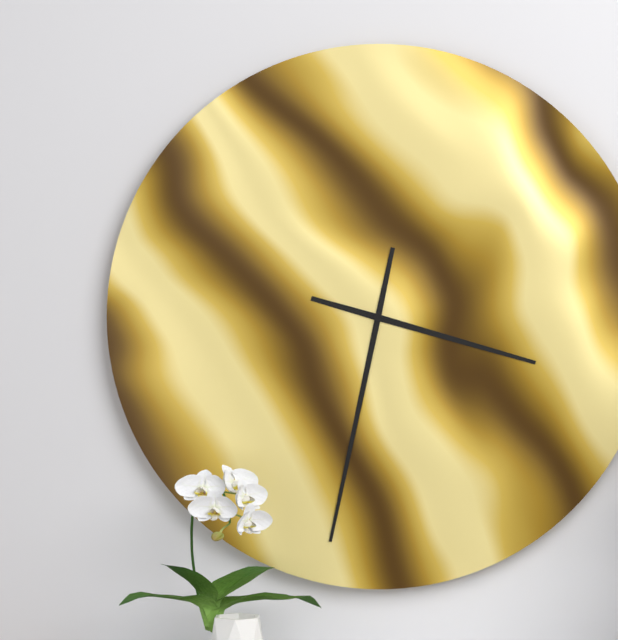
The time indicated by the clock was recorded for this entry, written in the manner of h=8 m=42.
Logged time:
h=3 m=32
